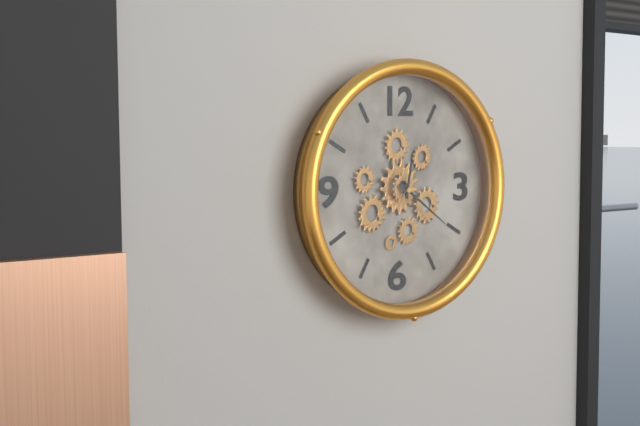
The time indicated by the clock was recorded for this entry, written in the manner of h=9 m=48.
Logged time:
h=12 m=21
